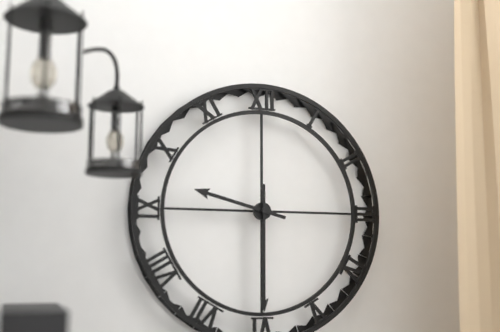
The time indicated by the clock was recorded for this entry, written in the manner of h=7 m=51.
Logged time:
h=9 m=30
